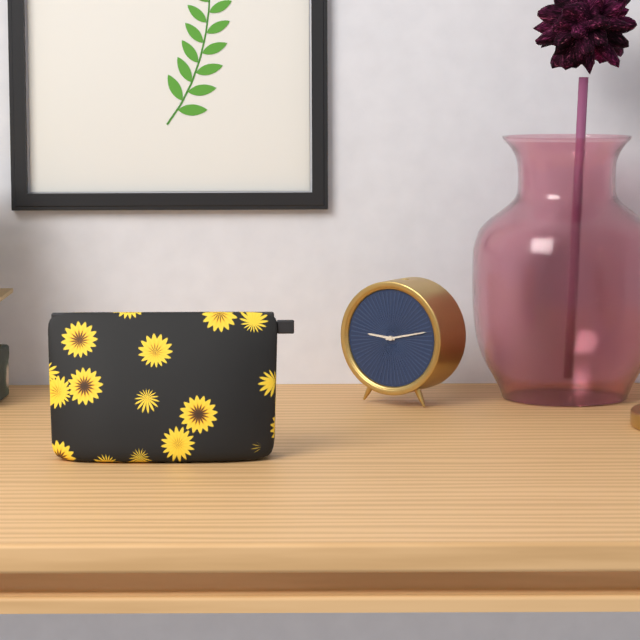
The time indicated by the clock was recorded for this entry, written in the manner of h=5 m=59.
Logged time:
h=9 m=13
